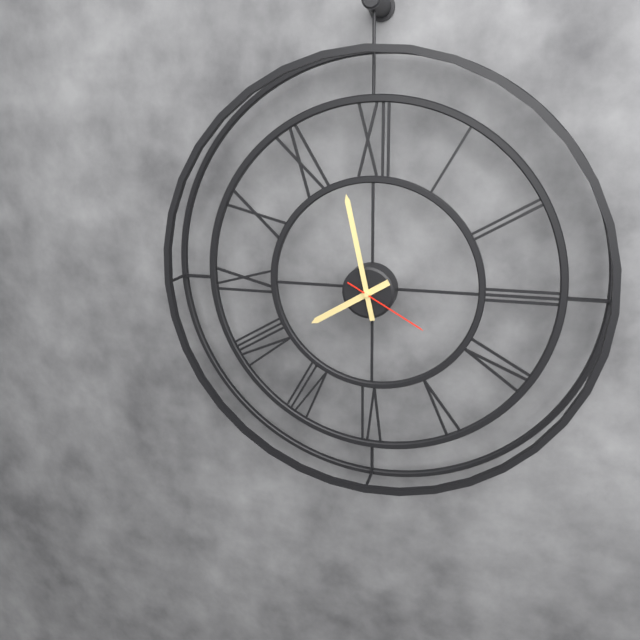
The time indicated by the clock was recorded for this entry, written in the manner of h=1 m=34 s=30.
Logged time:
h=7 m=58 s=20
